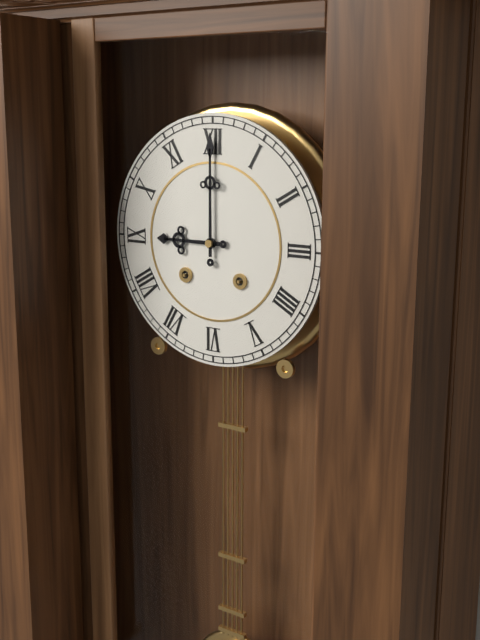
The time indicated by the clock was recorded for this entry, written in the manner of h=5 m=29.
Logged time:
h=9 m=0
